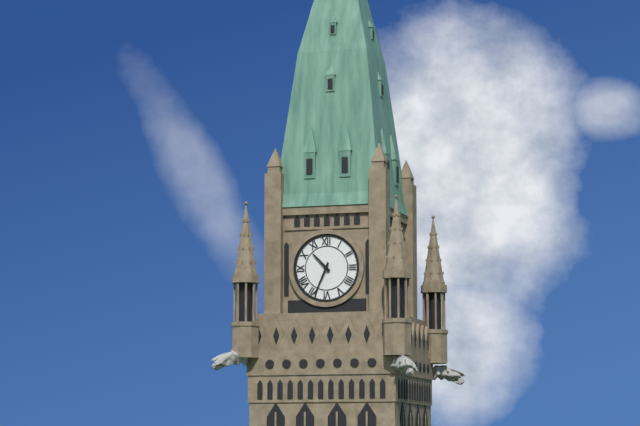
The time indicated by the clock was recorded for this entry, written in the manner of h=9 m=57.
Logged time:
h=10 m=34
